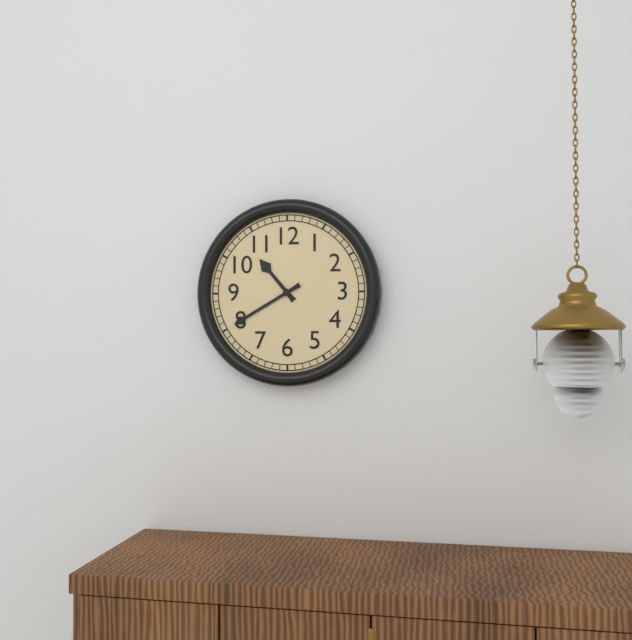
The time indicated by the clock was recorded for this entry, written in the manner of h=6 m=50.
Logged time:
h=10 m=40
